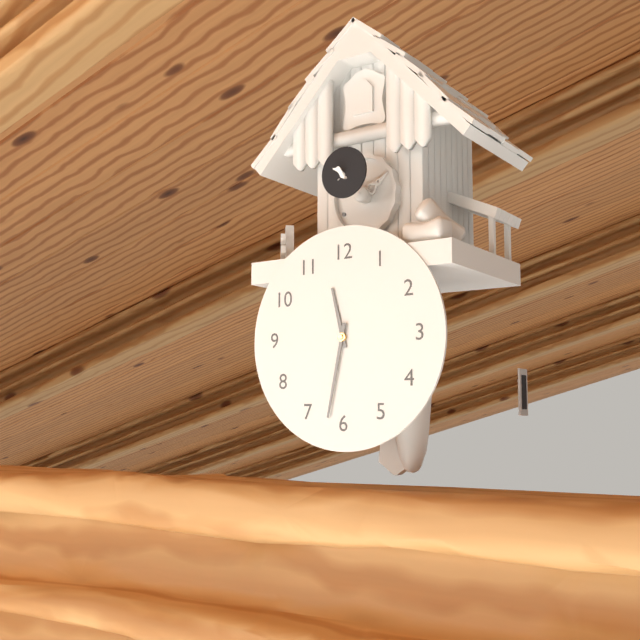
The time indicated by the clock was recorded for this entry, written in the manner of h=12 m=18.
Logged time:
h=11 m=32
